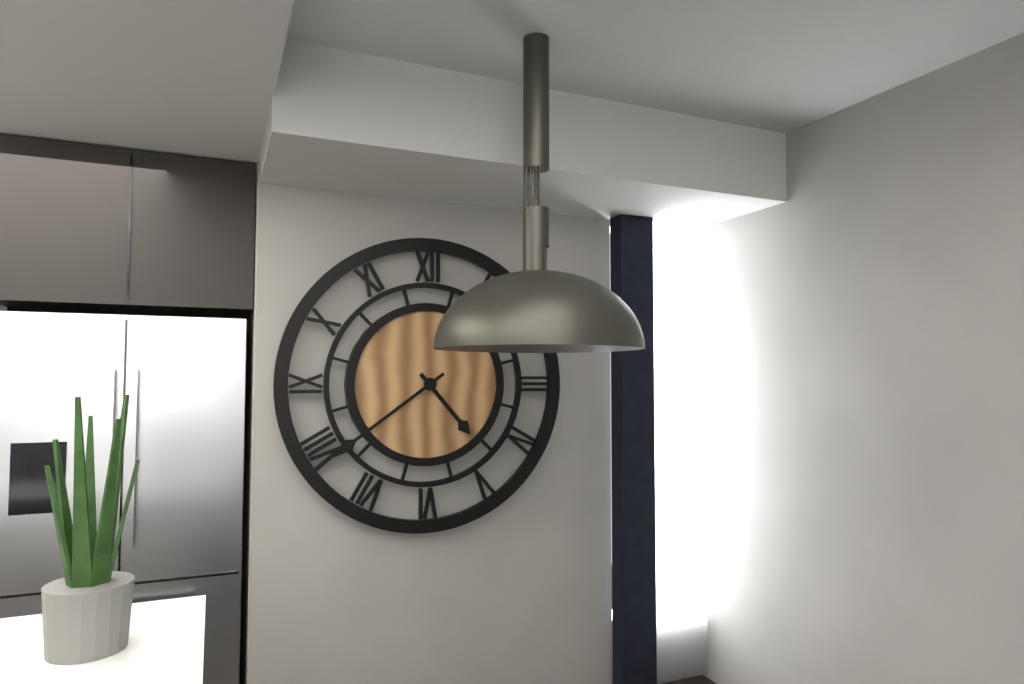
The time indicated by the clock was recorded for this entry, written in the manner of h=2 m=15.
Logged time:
h=4 m=39
